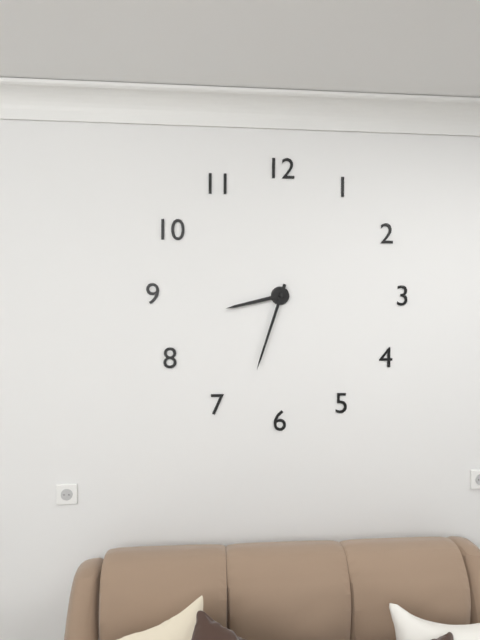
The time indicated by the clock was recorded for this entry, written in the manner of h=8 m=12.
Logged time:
h=8 m=33
